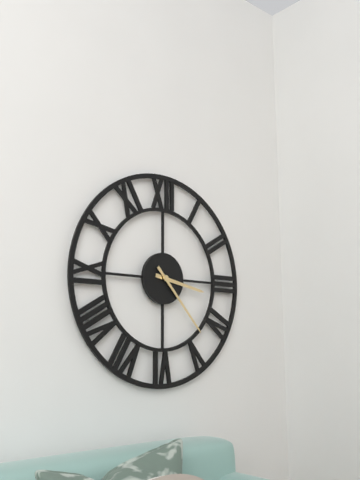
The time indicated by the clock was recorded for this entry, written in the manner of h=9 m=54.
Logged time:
h=3 m=23
